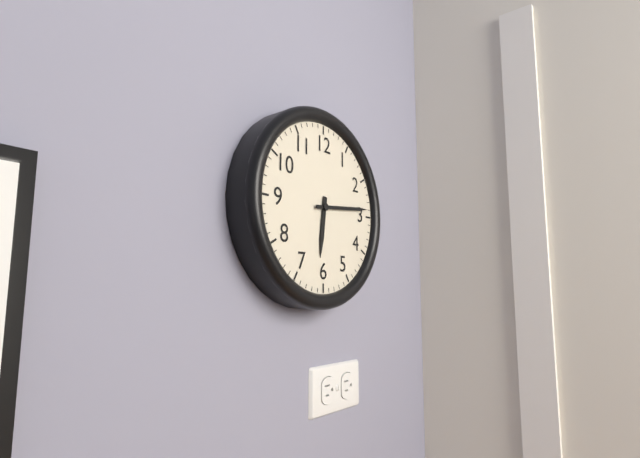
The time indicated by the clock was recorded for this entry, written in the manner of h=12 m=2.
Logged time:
h=6 m=14
